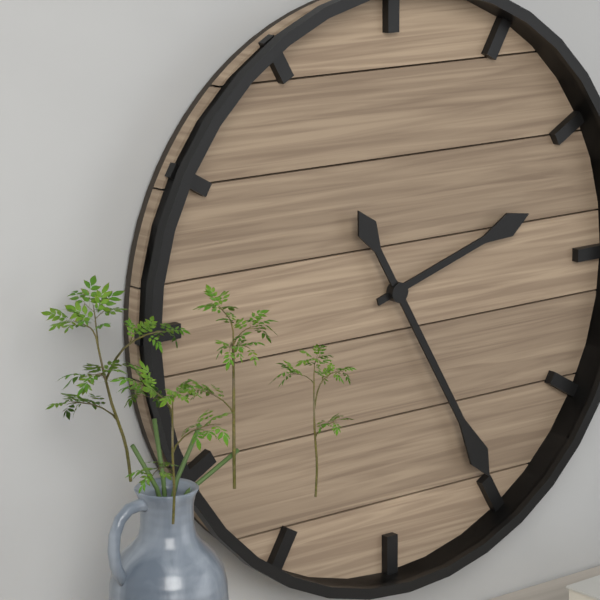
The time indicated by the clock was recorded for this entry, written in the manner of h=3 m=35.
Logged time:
h=2 m=25
